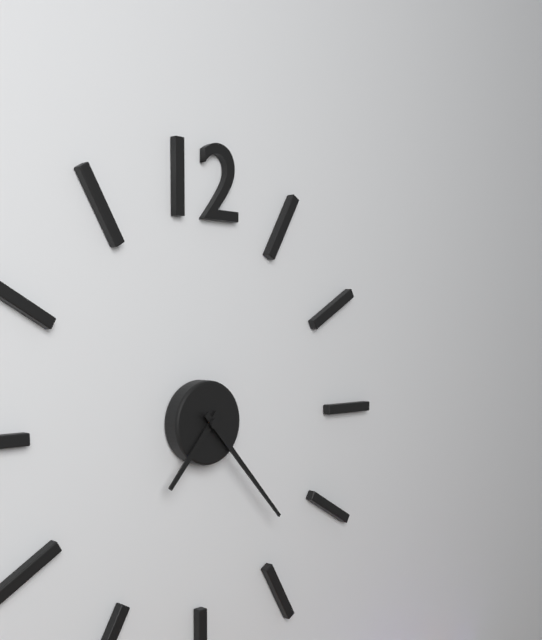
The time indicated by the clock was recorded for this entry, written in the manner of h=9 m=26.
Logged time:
h=7 m=23
